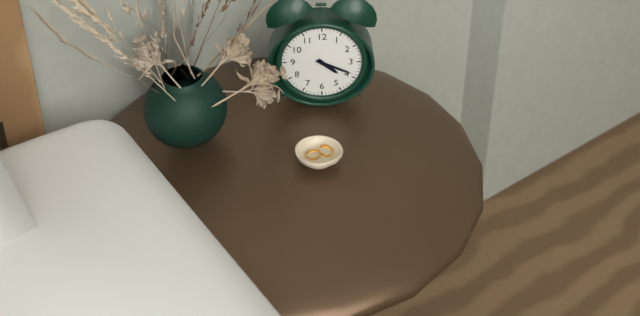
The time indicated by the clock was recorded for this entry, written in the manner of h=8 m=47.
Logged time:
h=4 m=19
